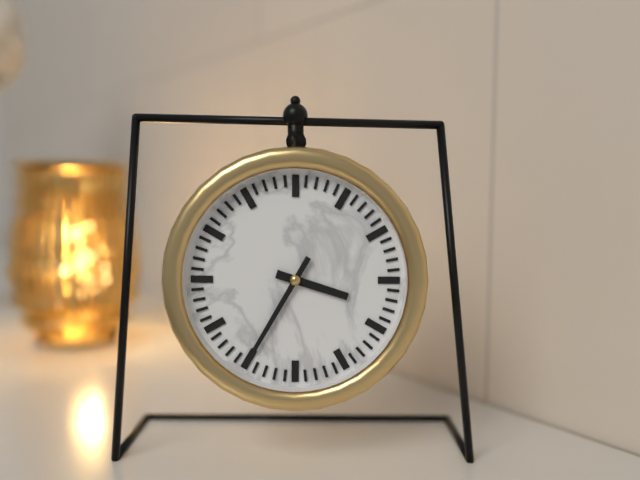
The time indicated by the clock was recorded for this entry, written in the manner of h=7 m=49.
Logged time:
h=3 m=35
